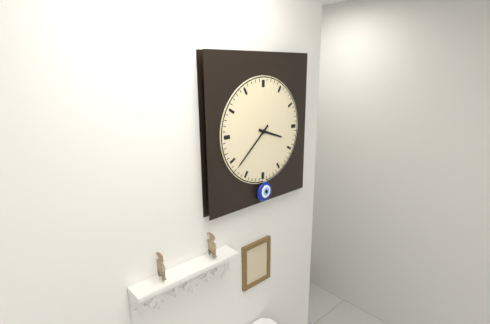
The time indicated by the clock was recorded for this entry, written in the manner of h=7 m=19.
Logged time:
h=3 m=38
